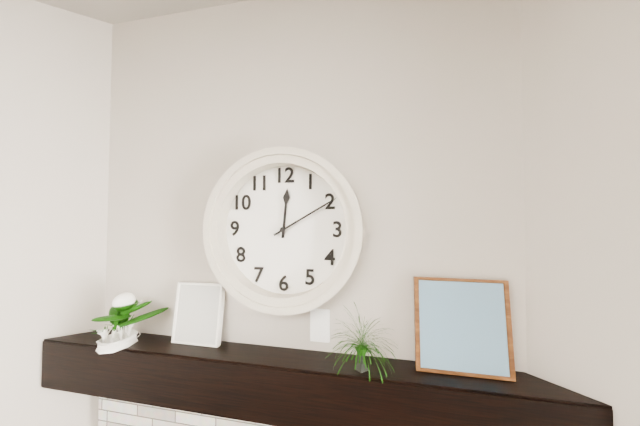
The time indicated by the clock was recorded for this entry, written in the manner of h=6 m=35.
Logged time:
h=12 m=10
